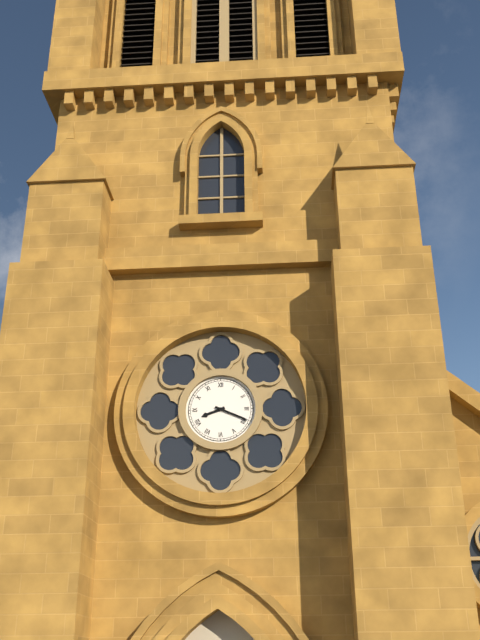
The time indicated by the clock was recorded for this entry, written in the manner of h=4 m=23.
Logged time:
h=8 m=19
